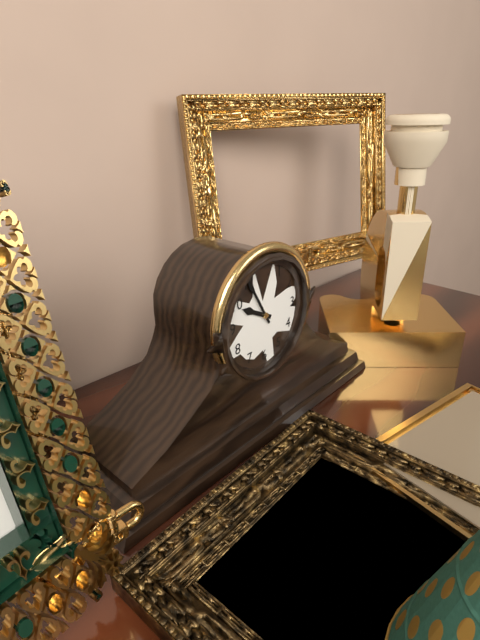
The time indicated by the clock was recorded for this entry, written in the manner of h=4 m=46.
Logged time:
h=9 m=55
